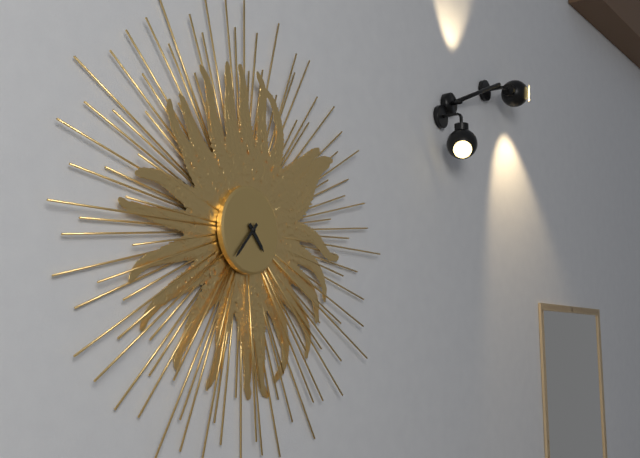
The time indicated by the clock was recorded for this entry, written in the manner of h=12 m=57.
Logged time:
h=4 m=37
